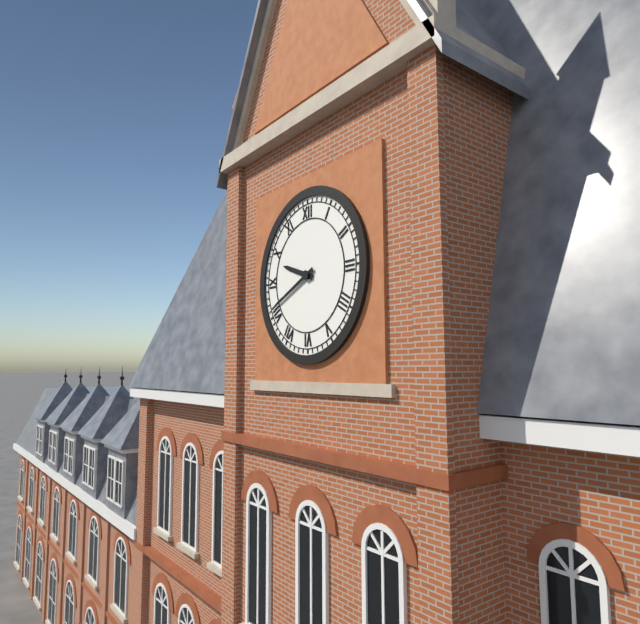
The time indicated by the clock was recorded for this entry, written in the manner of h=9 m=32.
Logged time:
h=9 m=41
